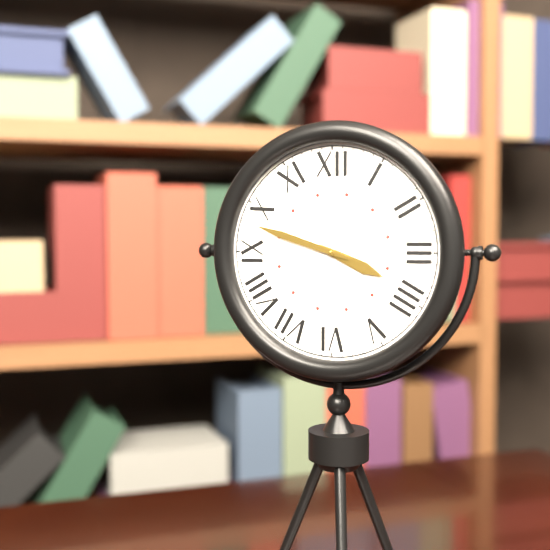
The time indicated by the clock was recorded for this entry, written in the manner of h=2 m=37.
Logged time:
h=3 m=48
